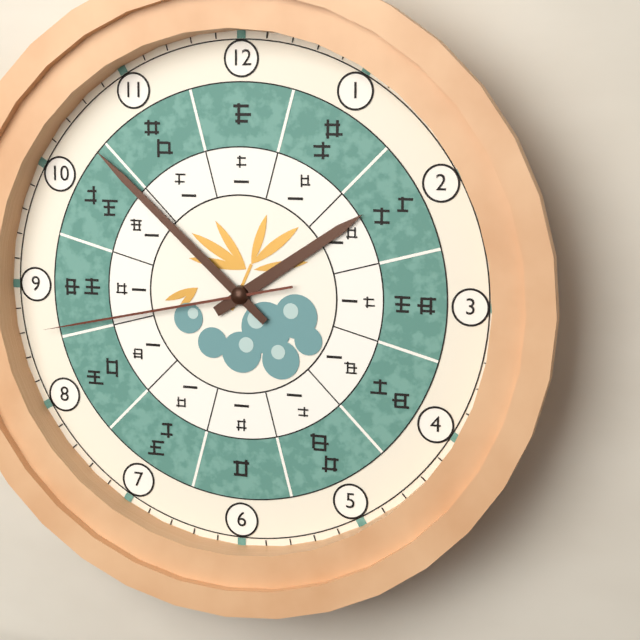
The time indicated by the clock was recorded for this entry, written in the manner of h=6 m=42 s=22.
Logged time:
h=1 m=52 s=43
